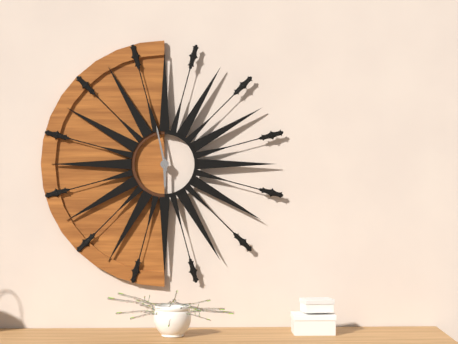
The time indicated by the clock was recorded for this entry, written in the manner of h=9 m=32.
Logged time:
h=5 m=58
